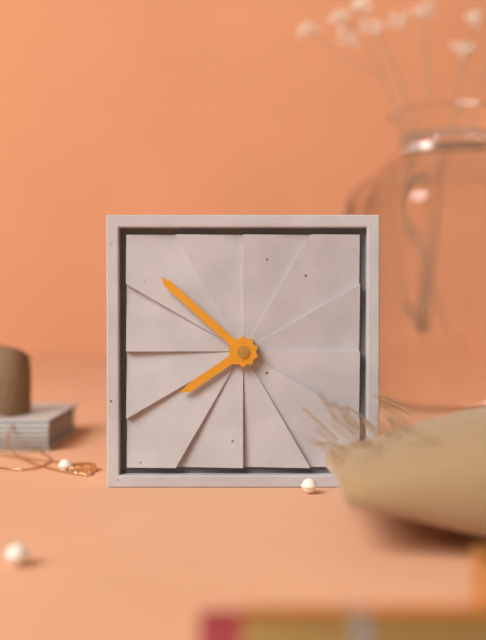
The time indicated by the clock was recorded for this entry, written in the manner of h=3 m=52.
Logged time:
h=7 m=52
